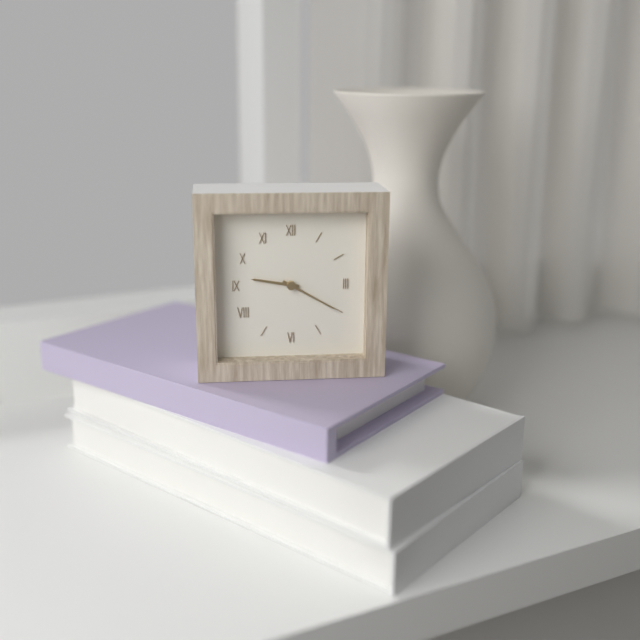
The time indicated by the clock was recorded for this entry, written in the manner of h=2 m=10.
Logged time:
h=9 m=20
